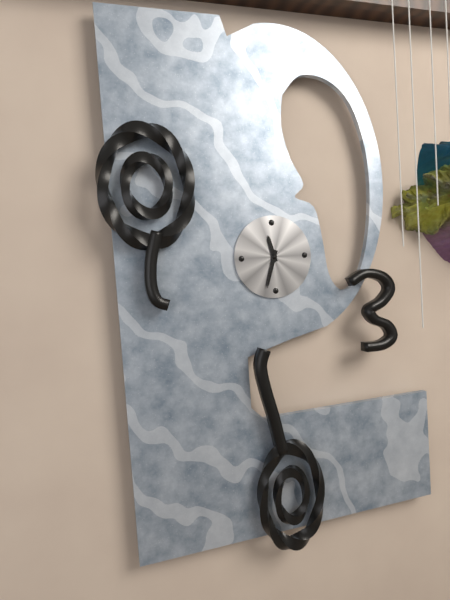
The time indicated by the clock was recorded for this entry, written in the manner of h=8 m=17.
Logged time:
h=11 m=33
